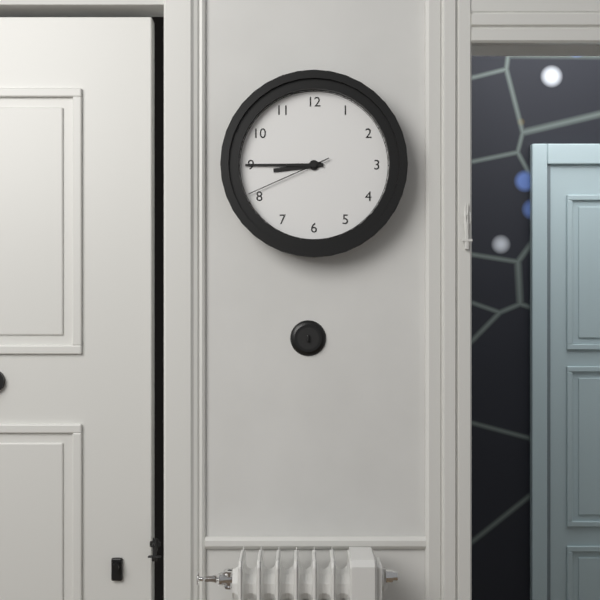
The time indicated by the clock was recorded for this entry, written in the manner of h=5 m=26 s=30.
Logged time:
h=8 m=45 s=41
